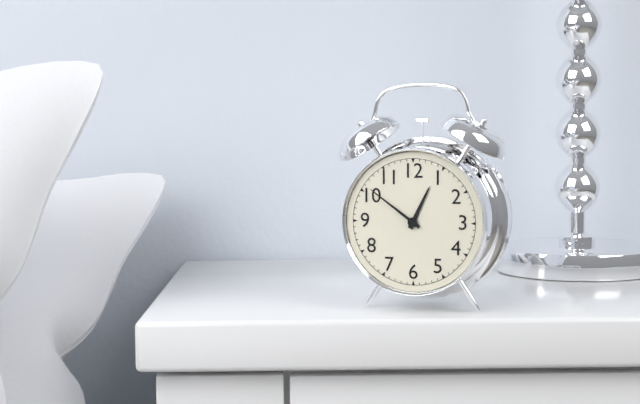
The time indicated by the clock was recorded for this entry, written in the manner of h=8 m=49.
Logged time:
h=12 m=51
